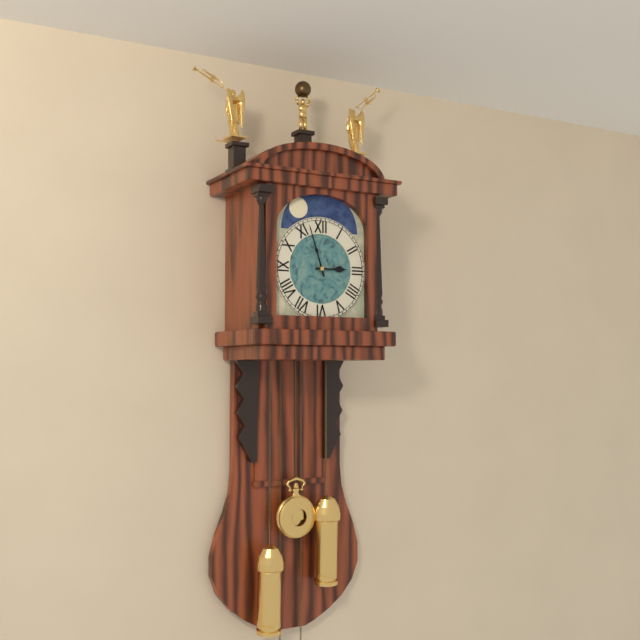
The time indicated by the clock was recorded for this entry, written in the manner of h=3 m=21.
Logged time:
h=2 m=57
